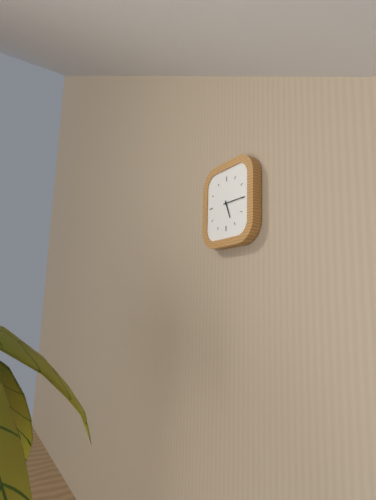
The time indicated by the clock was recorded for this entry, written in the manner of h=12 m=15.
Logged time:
h=5 m=15
